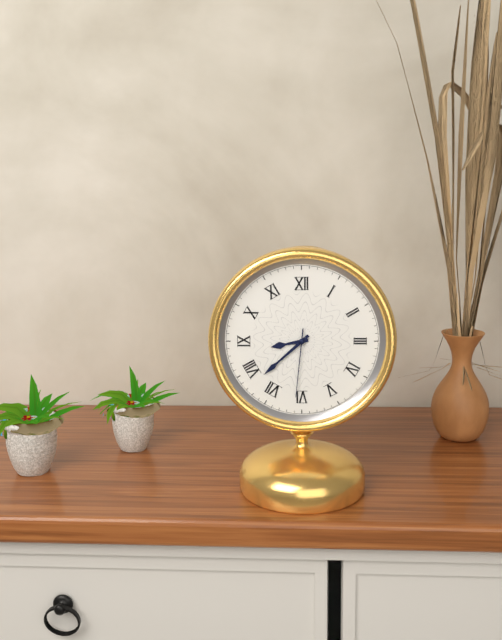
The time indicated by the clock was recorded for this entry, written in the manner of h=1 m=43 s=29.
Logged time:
h=8 m=38 s=31
